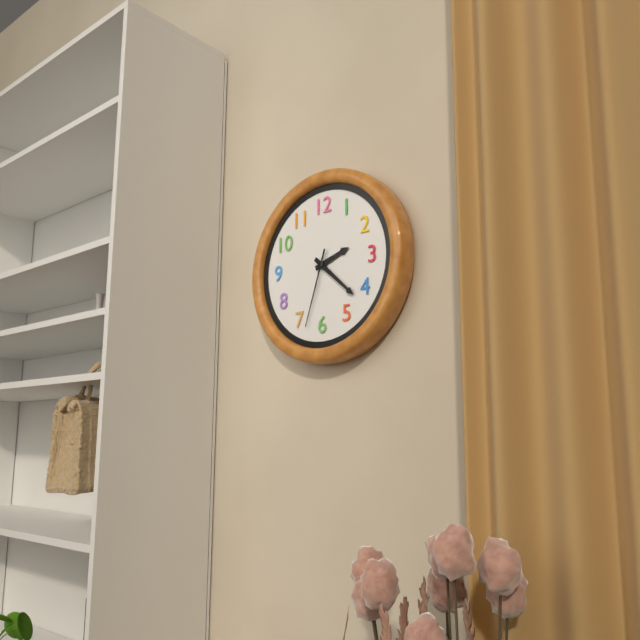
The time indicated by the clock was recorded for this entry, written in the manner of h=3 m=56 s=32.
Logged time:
h=2 m=22 s=33
